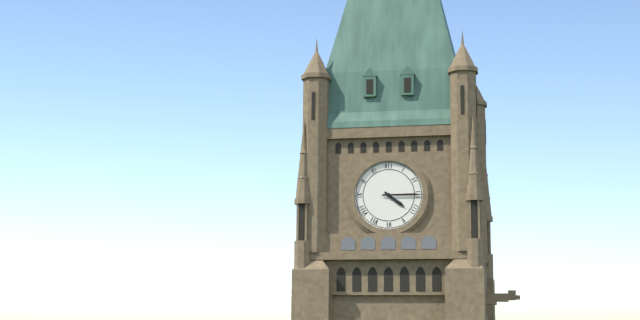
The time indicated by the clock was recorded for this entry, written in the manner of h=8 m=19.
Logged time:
h=4 m=15
